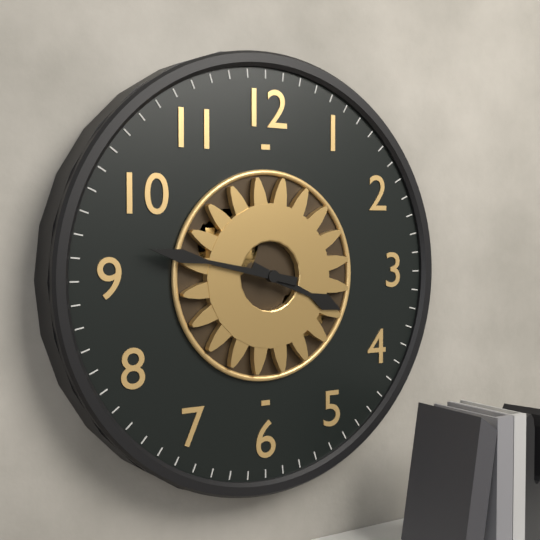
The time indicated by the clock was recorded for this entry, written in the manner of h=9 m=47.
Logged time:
h=3 m=47
